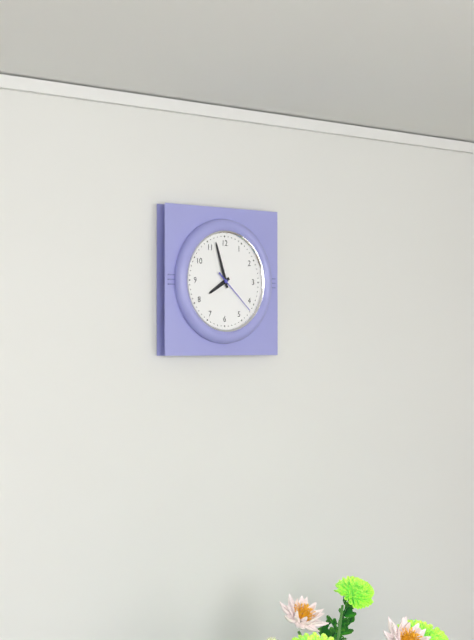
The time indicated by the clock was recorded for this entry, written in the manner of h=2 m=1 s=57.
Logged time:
h=7 m=57 s=22
